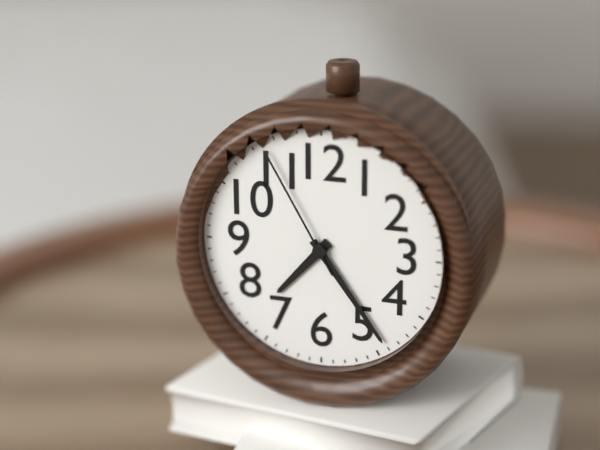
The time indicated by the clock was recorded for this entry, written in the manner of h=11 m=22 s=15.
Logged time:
h=7 m=24 s=55
